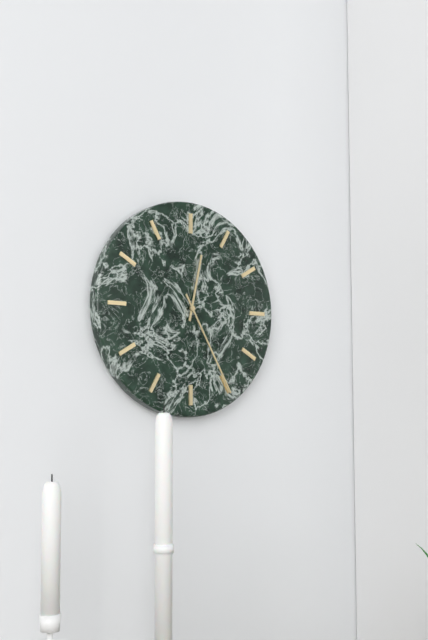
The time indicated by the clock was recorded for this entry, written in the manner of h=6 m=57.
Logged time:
h=12 m=25
